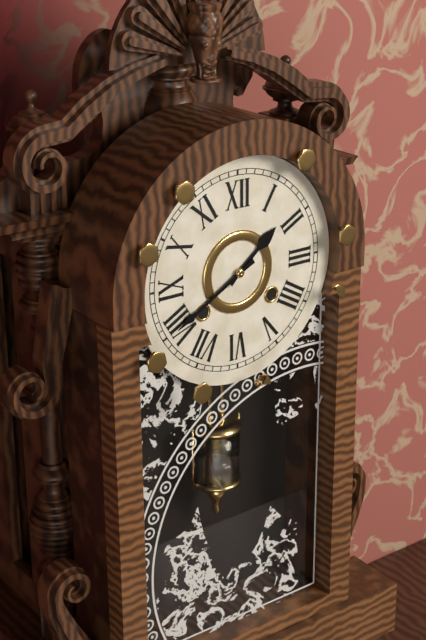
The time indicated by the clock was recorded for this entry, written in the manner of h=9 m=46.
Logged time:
h=1 m=40
